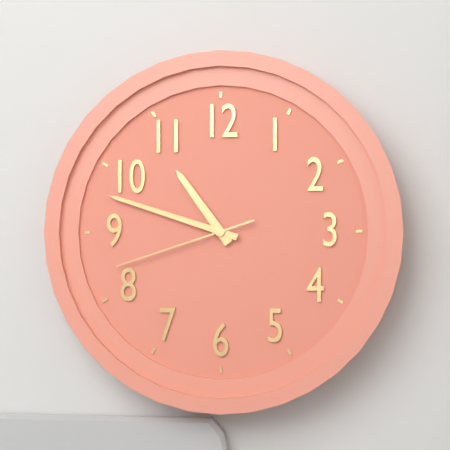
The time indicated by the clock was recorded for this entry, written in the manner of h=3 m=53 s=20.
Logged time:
h=10 m=48 s=42
